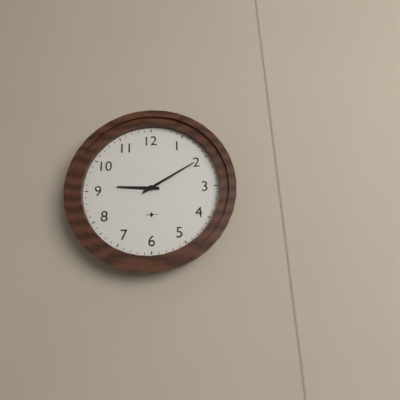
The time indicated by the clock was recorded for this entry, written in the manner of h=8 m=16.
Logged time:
h=9 m=10
